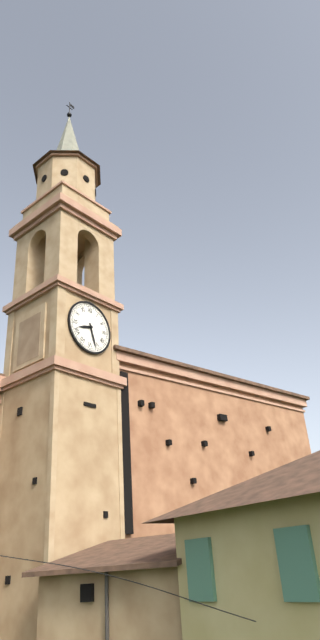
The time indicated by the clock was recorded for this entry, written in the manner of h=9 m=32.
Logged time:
h=8 m=27
